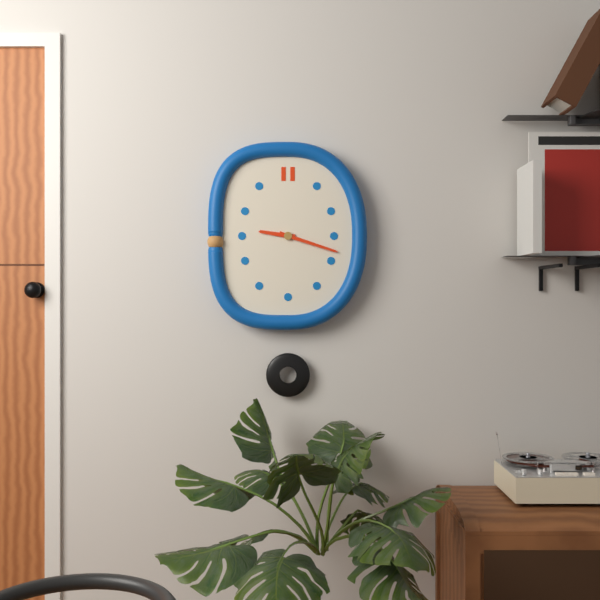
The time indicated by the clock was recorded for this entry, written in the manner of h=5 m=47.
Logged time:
h=9 m=18
